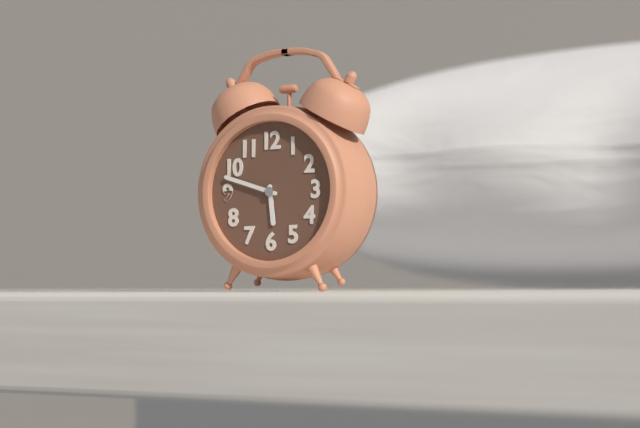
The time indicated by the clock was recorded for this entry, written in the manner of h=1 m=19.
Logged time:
h=5 m=48
